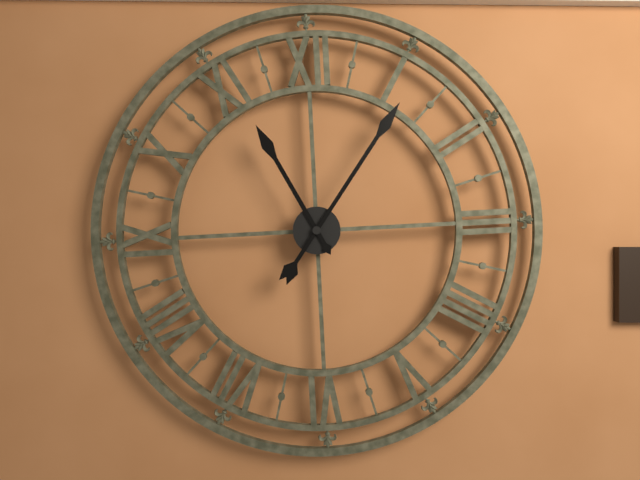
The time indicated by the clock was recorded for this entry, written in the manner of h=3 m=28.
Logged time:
h=11 m=6
